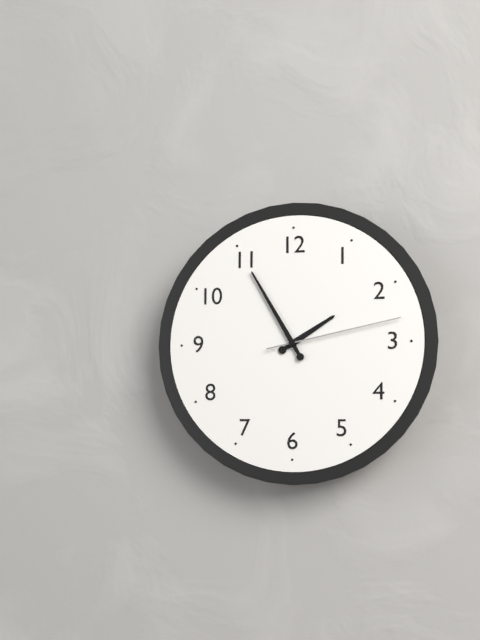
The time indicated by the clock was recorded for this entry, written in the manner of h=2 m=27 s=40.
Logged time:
h=1 m=55 s=13
